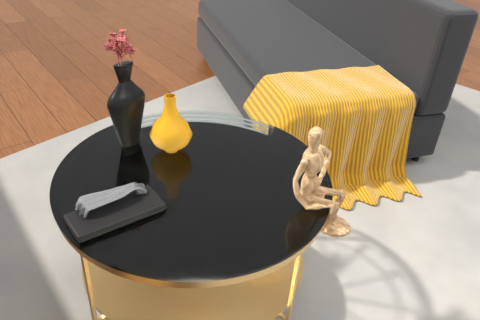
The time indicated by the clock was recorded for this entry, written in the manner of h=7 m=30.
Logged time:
h=11 m=51
